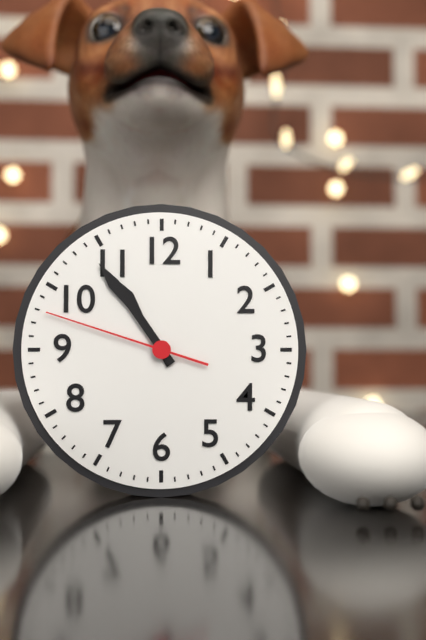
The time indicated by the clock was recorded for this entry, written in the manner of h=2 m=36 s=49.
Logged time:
h=10 m=54 s=48
